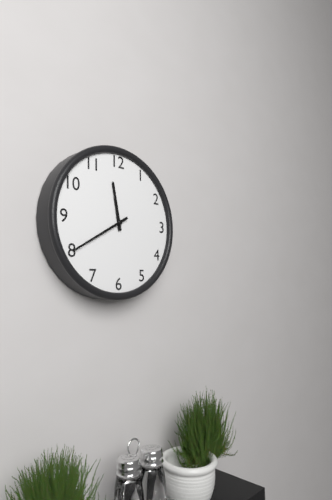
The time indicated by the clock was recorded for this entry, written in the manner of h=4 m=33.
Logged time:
h=11 m=40
